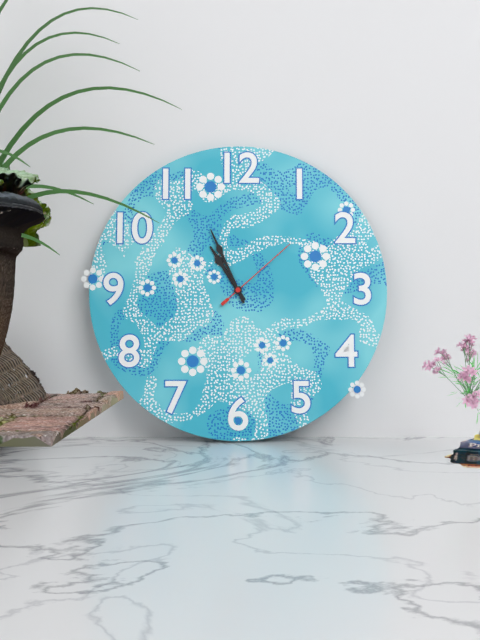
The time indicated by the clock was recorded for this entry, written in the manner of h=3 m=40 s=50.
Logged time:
h=10 m=56 s=8
